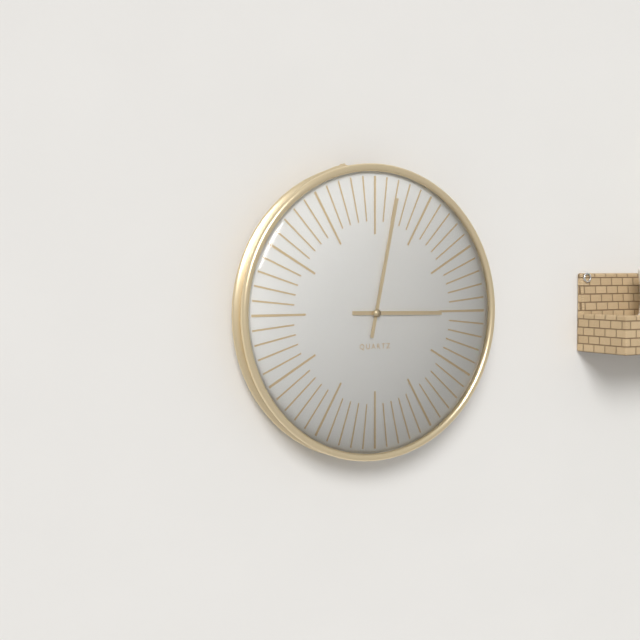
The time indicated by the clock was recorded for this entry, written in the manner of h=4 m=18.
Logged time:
h=3 m=2
